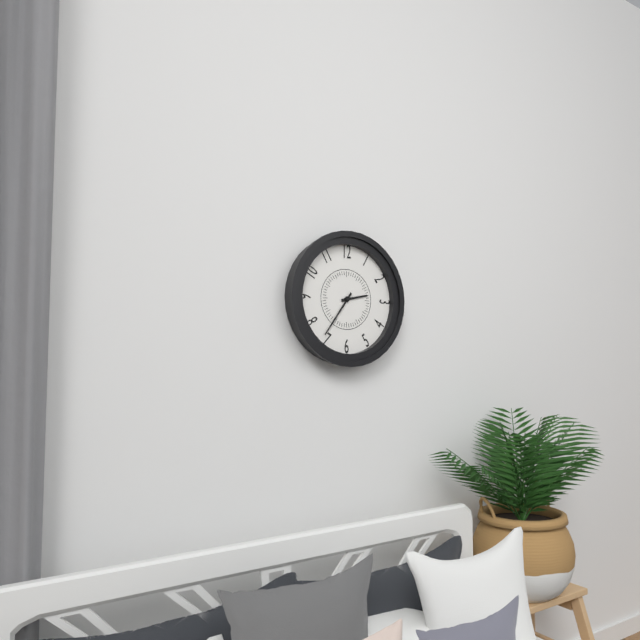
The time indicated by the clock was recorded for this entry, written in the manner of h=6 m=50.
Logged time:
h=2 m=36
